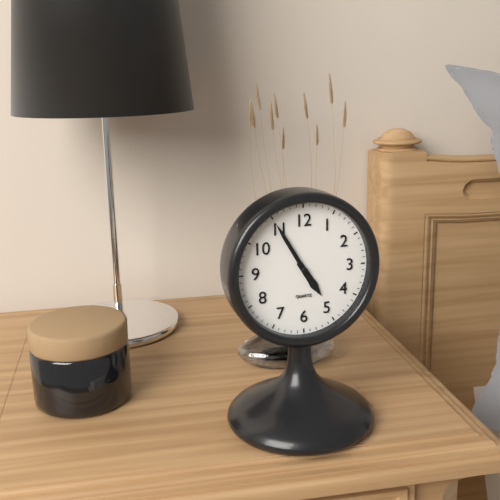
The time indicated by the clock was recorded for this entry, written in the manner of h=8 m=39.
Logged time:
h=4 m=55
